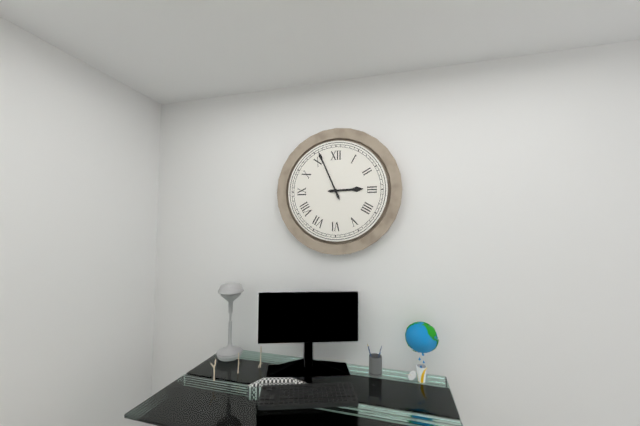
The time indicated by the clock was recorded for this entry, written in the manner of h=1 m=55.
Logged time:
h=2 m=56
